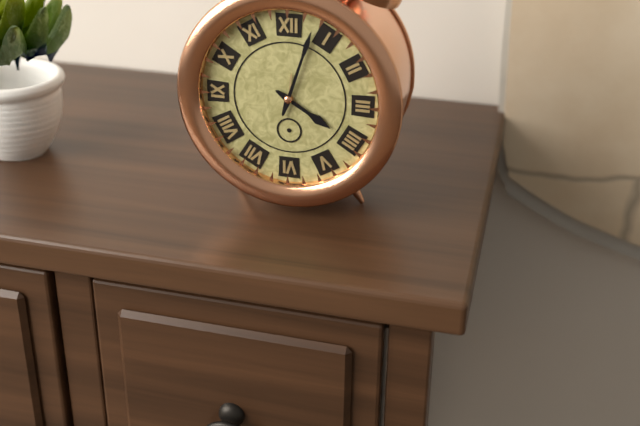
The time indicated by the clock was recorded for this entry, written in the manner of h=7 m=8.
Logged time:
h=4 m=3
